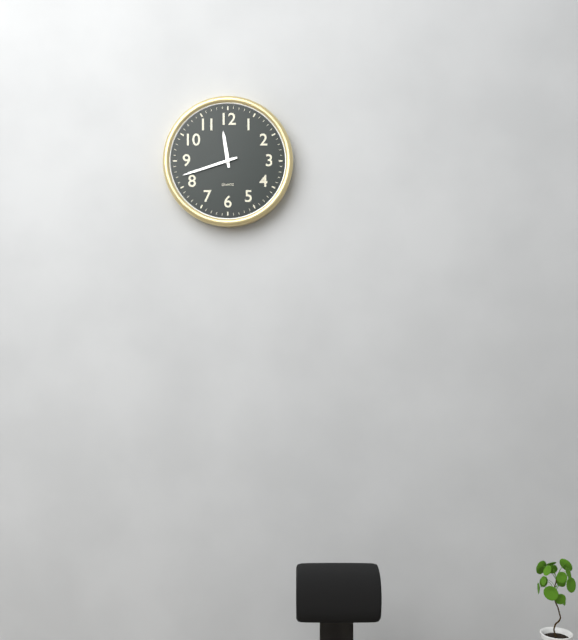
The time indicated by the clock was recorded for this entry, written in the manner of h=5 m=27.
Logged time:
h=11 m=42
